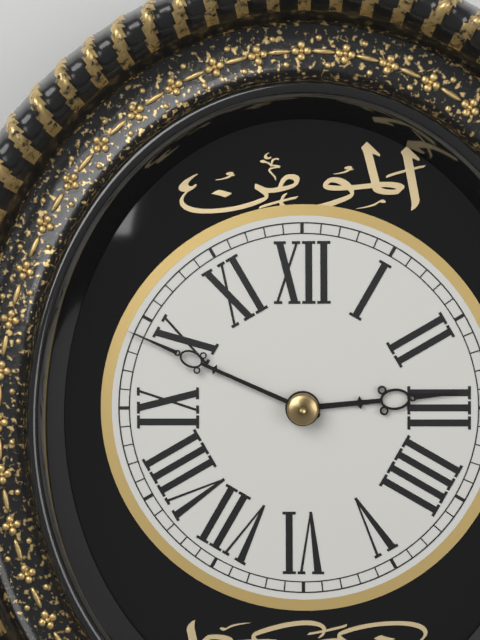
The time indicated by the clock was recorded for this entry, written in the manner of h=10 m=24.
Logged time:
h=2 m=49
